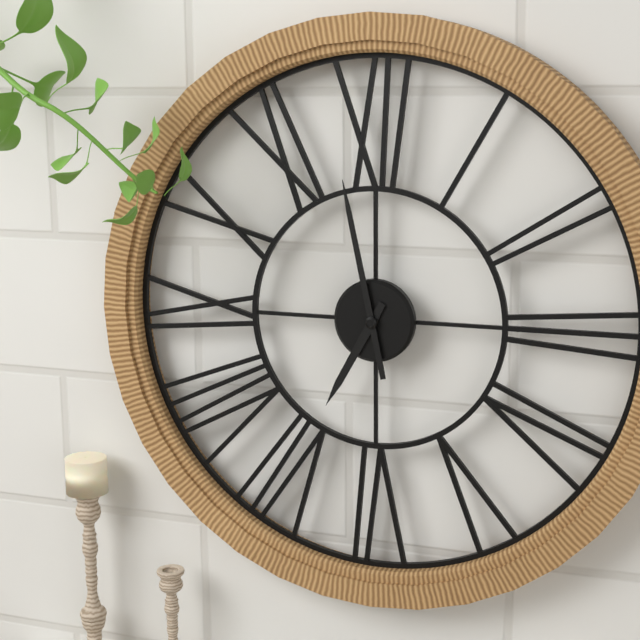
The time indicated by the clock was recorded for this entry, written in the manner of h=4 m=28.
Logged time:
h=6 m=58
